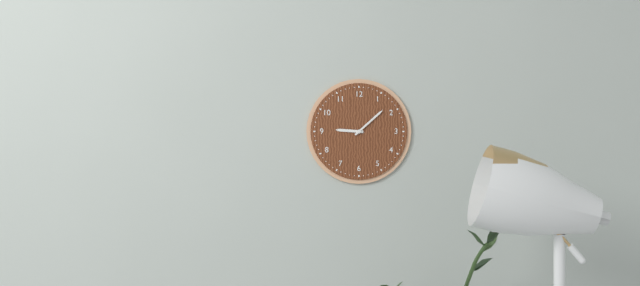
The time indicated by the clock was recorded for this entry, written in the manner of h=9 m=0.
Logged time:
h=9 m=8
